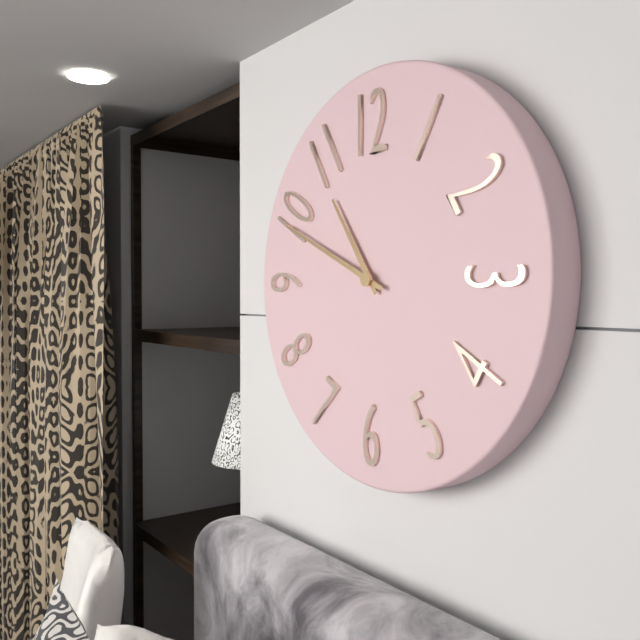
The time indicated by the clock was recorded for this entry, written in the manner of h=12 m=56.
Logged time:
h=10 m=49
